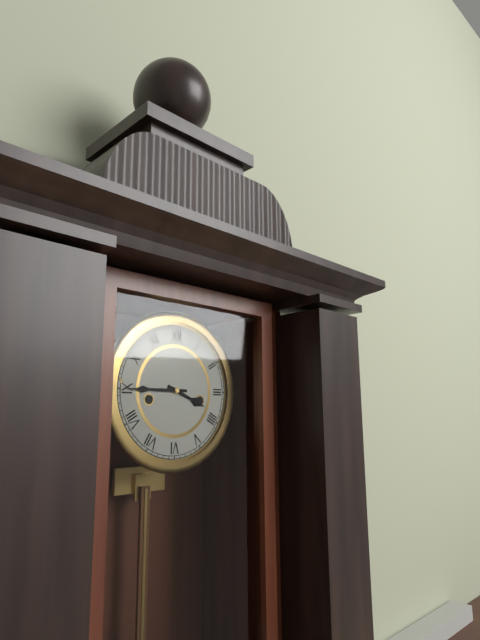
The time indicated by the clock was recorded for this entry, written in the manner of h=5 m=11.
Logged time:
h=3 m=45
